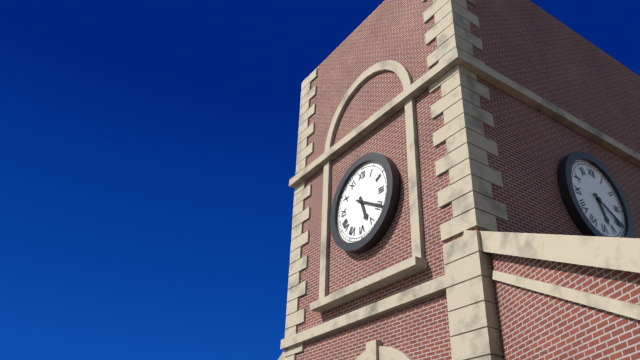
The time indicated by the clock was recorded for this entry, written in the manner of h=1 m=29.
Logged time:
h=5 m=20
